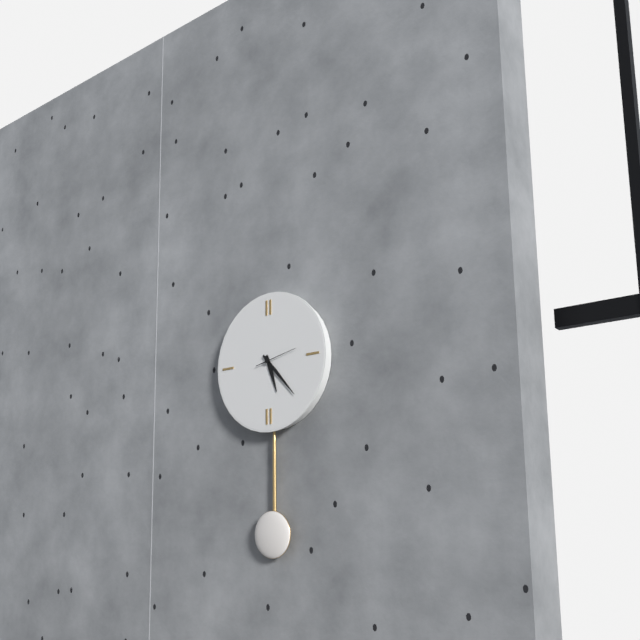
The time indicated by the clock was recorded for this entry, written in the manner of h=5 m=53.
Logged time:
h=5 m=23
